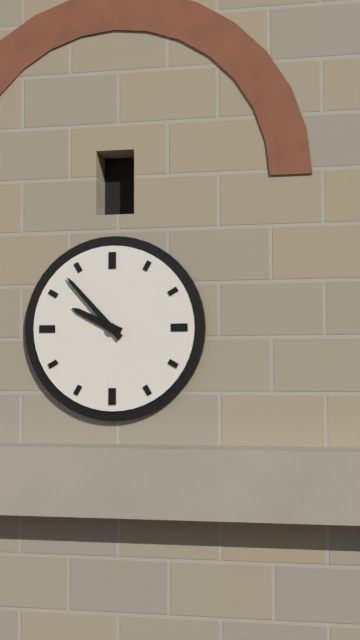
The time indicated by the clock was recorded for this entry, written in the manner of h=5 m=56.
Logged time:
h=9 m=53
